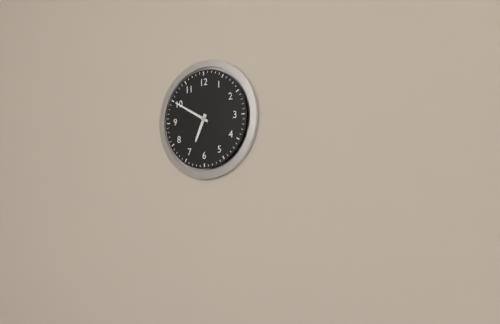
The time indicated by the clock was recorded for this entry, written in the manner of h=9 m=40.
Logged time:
h=6 m=50
